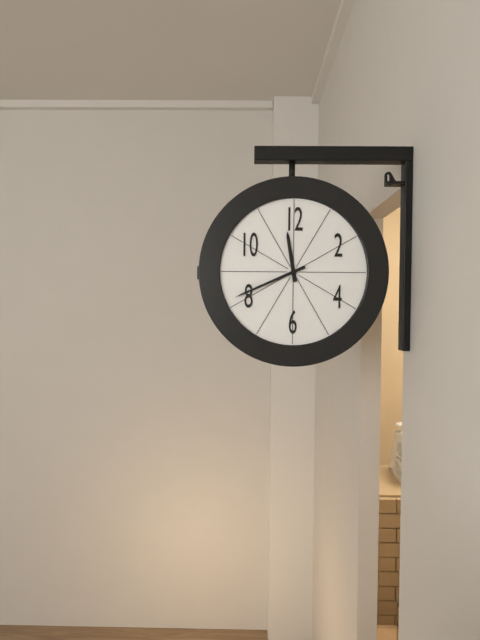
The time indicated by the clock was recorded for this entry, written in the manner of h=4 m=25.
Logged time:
h=11 m=41
